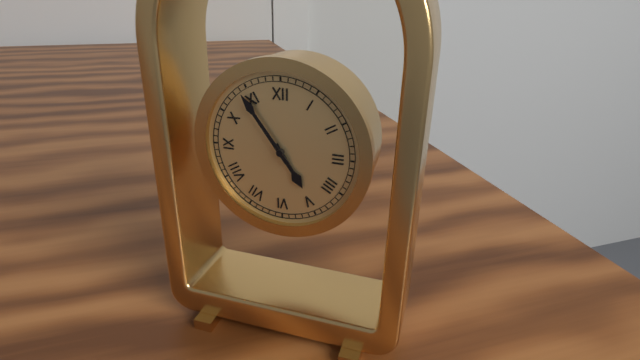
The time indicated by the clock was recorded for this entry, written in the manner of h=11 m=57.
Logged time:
h=4 m=54
